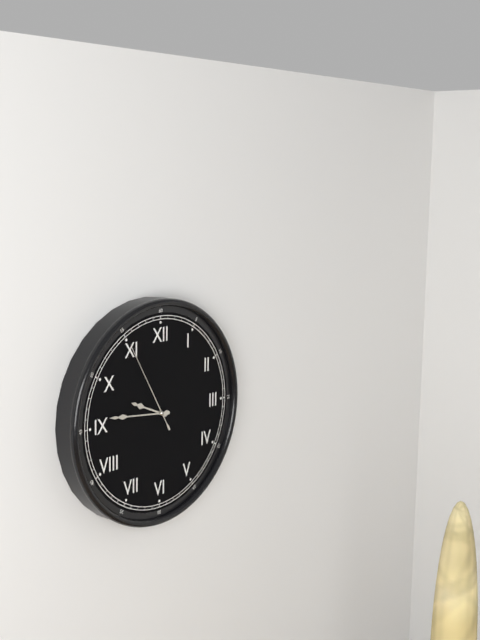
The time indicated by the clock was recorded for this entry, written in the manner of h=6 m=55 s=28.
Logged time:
h=9 m=46 s=55
